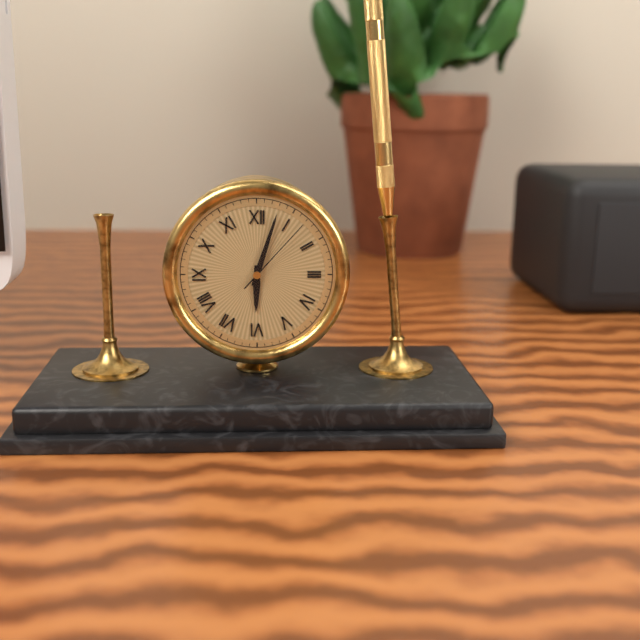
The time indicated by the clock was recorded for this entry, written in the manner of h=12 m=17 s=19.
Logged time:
h=6 m=3 s=7
